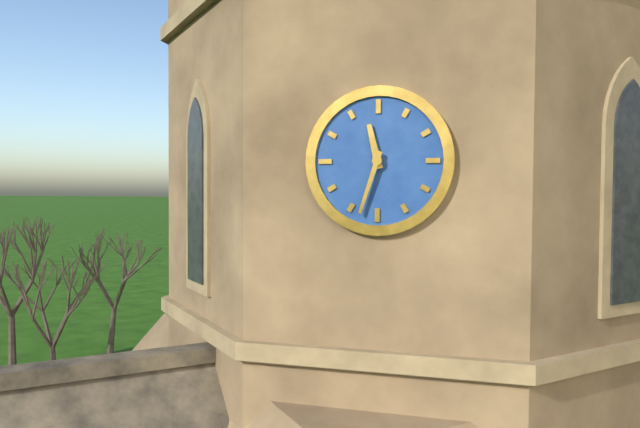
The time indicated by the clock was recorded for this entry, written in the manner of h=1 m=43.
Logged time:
h=11 m=33
